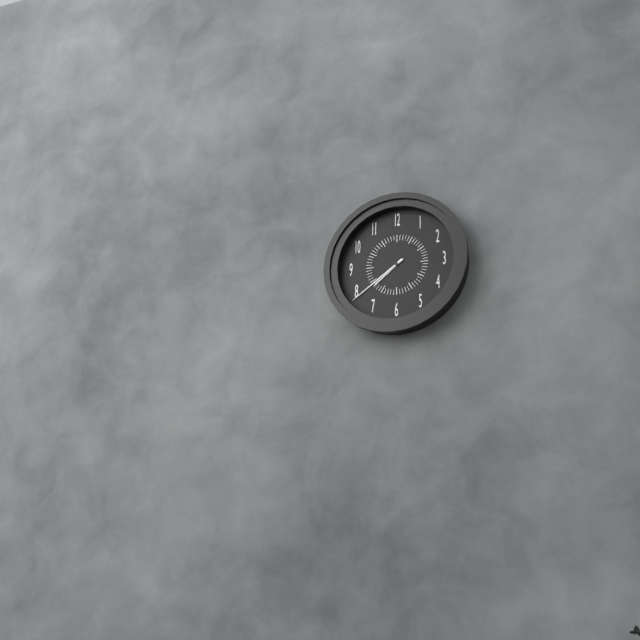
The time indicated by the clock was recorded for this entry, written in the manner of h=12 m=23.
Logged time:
h=7 m=39
